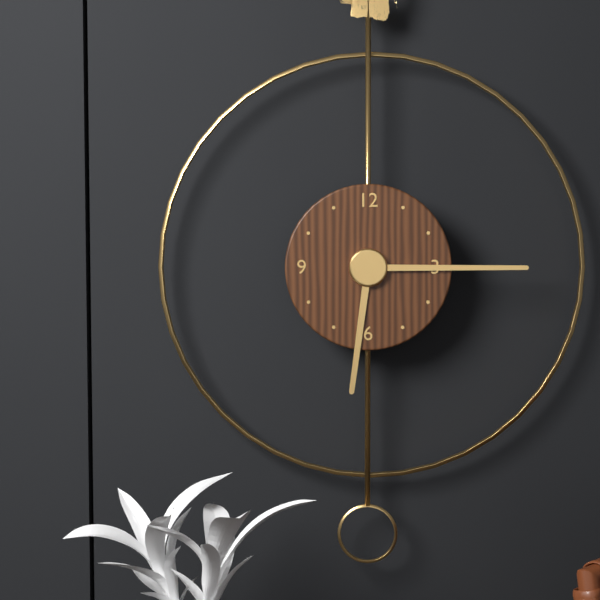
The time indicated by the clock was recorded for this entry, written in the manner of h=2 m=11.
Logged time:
h=6 m=15
